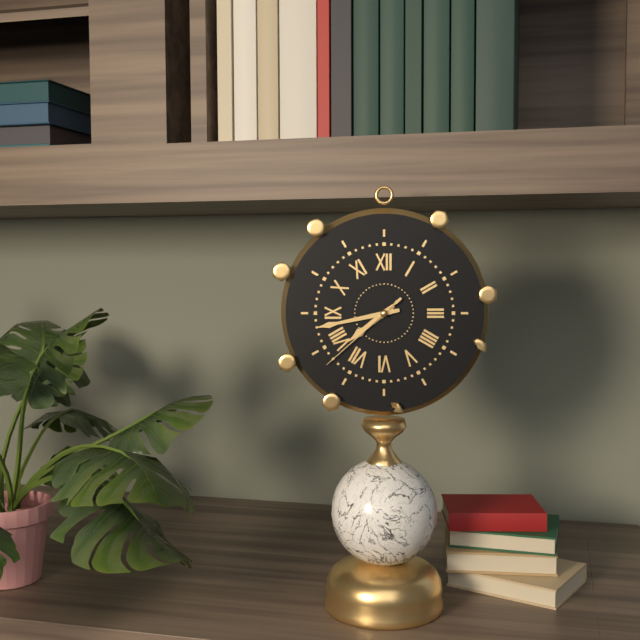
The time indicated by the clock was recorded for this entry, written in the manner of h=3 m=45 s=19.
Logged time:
h=7 m=43 s=38
